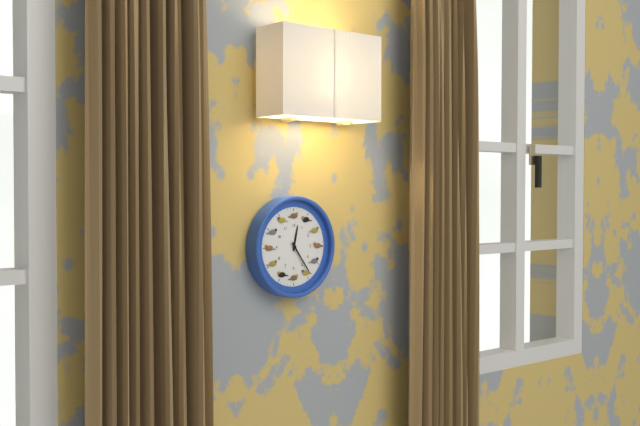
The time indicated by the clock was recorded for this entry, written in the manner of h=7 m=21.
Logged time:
h=12 m=24
